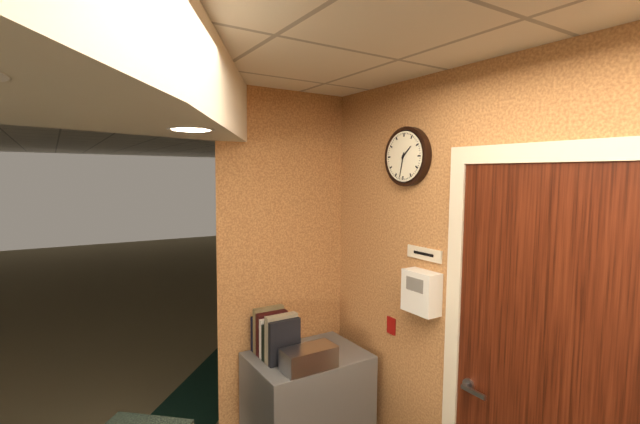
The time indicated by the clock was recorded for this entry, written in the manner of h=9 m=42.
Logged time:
h=1 m=32
